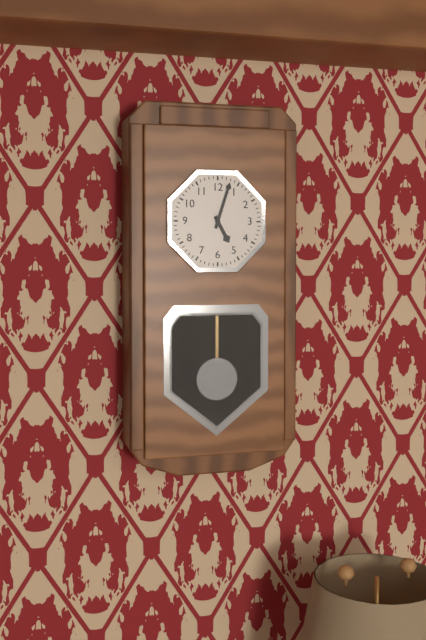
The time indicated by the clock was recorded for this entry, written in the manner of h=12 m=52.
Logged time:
h=5 m=3
